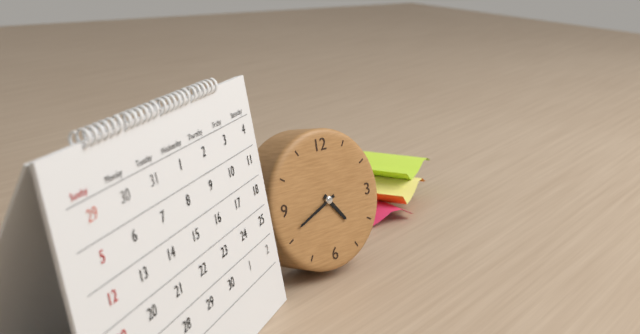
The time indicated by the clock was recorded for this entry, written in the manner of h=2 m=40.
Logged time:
h=4 m=41
